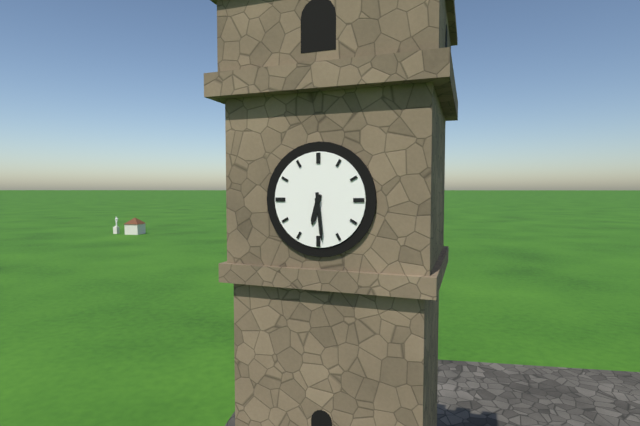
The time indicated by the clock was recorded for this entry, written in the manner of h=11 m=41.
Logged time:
h=6 m=29
